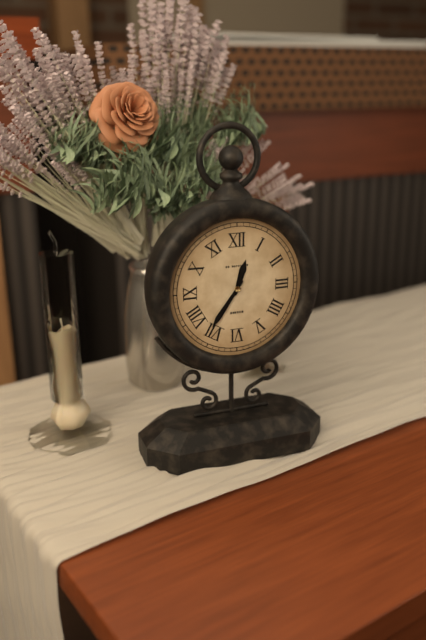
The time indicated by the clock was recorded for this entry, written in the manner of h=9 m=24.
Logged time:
h=12 m=36
